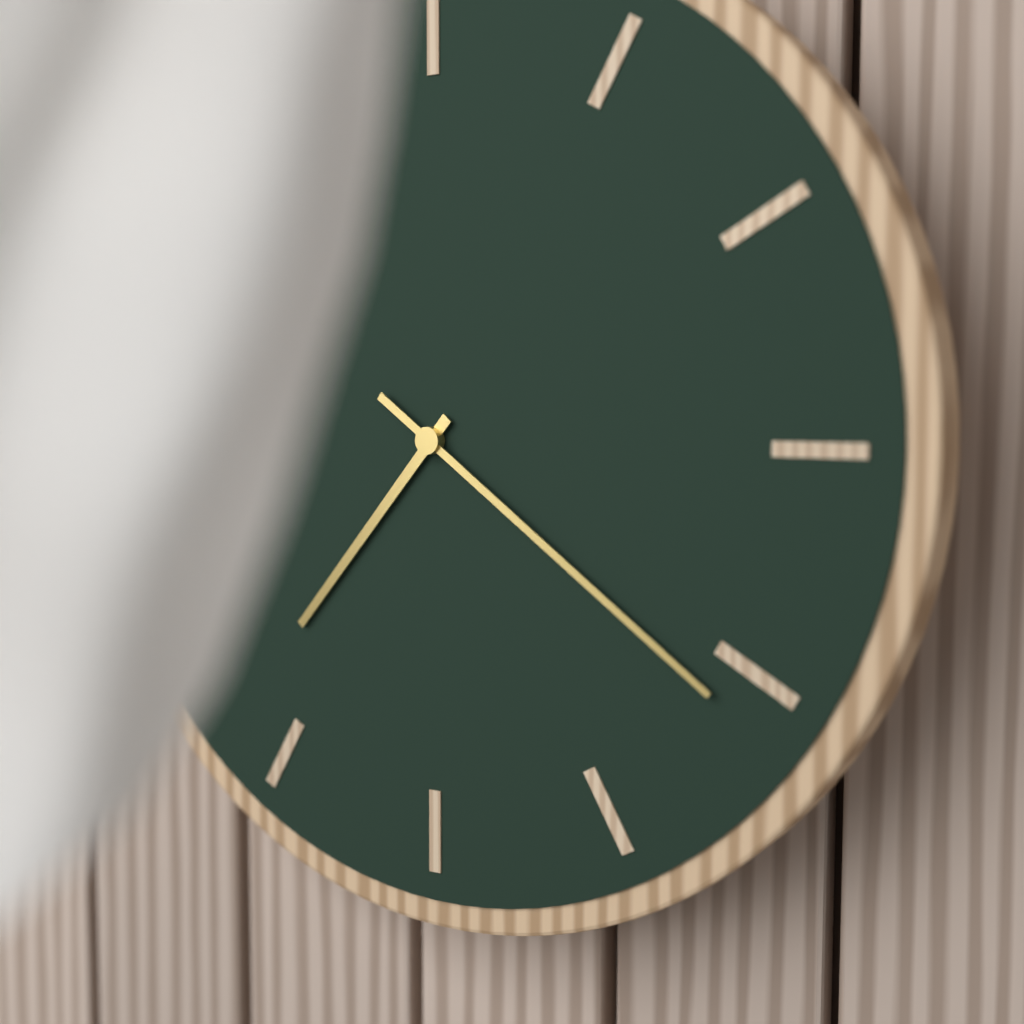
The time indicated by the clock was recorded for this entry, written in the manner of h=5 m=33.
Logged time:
h=7 m=21
